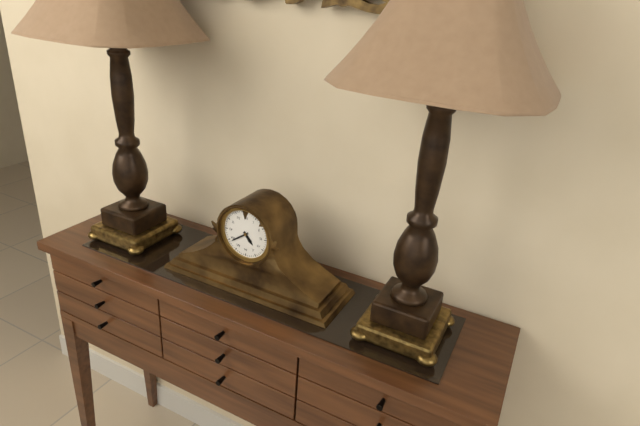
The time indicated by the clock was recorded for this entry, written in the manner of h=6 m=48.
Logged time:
h=4 m=39
